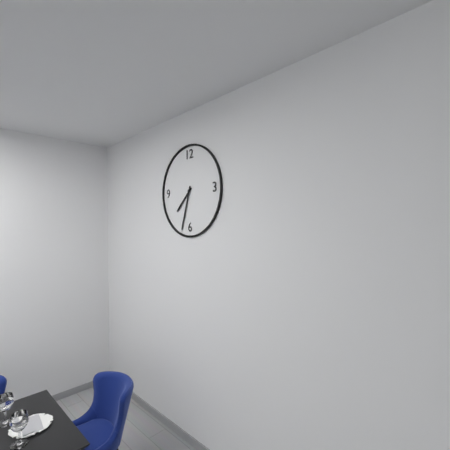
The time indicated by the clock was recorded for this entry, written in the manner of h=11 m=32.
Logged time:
h=7 m=33
